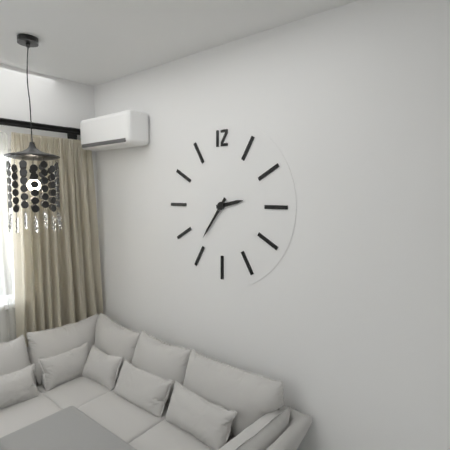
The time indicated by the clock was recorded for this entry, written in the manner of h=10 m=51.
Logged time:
h=2 m=36
